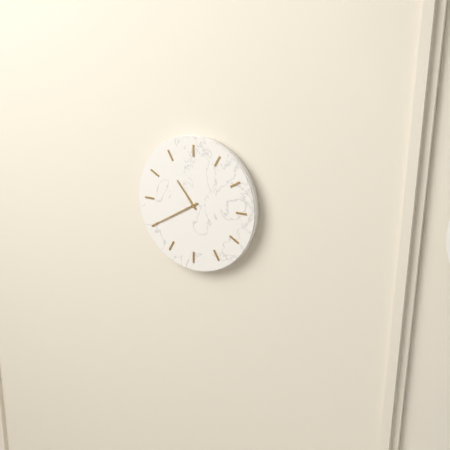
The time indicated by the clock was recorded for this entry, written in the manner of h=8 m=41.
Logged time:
h=10 m=40
